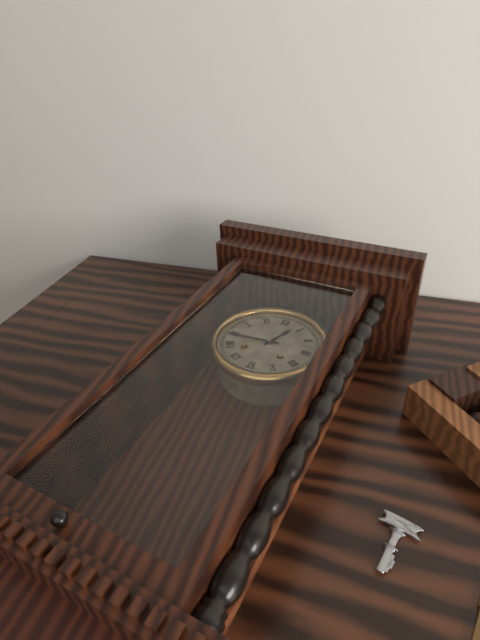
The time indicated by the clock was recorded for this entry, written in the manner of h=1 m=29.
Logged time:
h=12 m=44
